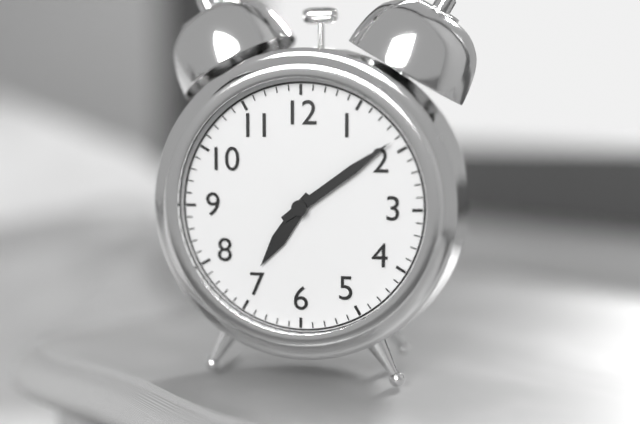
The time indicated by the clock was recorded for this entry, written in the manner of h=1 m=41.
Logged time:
h=7 m=9
